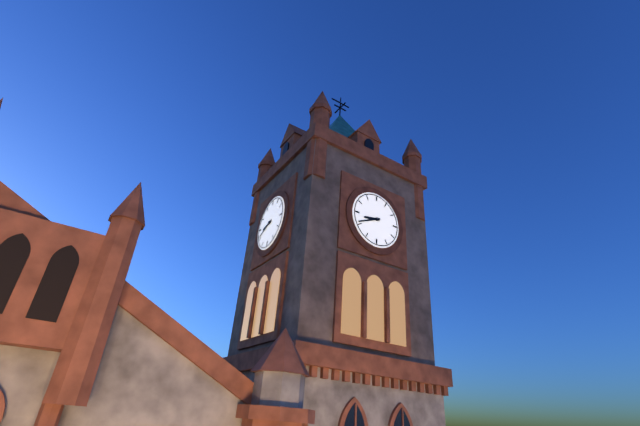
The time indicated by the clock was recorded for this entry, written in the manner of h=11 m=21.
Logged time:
h=8 m=41
